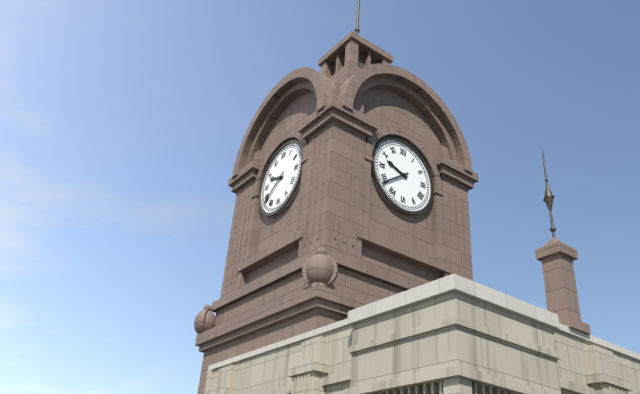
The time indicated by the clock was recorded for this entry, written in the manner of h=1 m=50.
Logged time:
h=9 m=39
